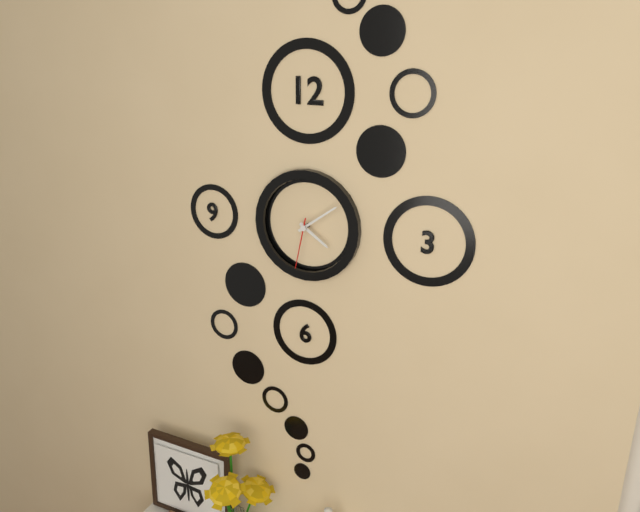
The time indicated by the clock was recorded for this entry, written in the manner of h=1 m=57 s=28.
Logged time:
h=4 m=9 s=32
